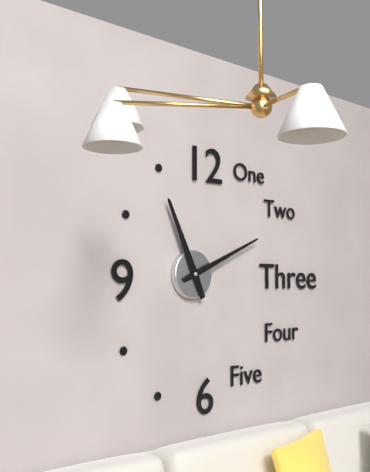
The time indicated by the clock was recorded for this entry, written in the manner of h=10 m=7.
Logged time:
h=11 m=11
